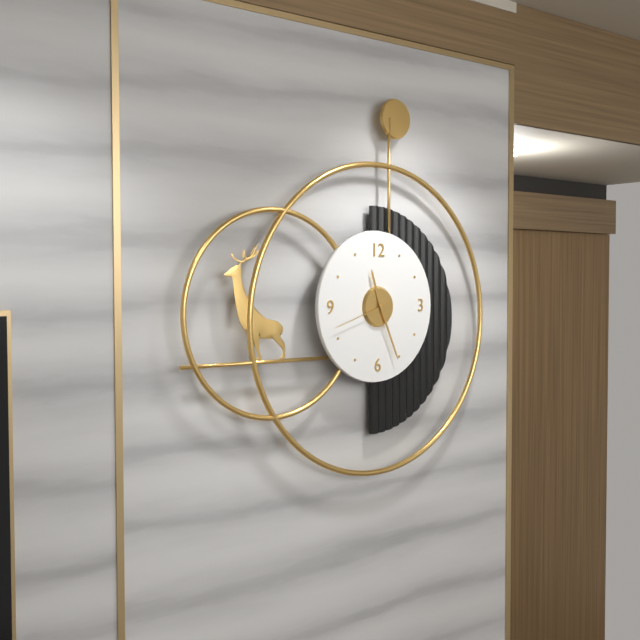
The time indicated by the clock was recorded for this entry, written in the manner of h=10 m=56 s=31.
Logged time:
h=11 m=26 s=42
